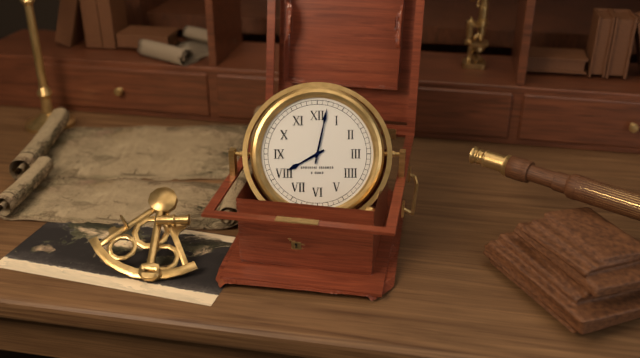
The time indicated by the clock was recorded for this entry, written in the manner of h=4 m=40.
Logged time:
h=8 m=2
